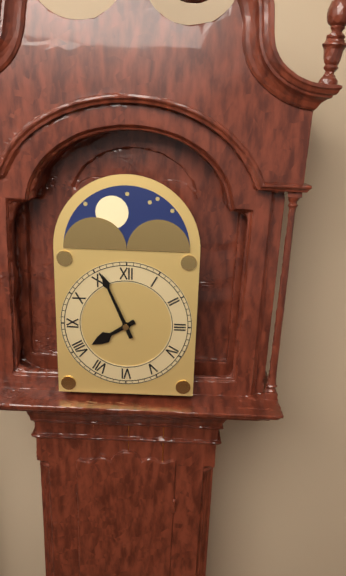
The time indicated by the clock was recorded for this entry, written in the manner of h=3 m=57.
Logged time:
h=7 m=56
